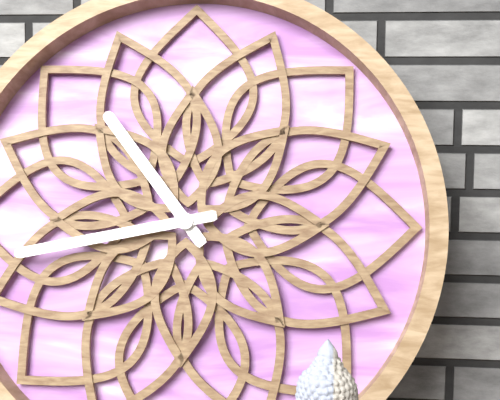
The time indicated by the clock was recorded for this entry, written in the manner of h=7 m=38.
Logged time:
h=10 m=43
